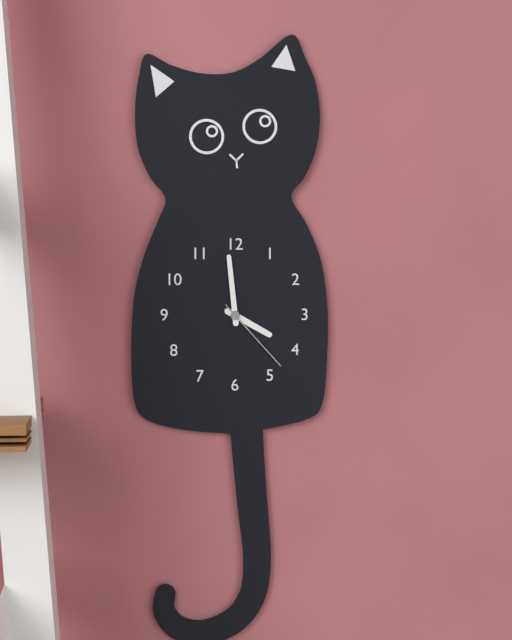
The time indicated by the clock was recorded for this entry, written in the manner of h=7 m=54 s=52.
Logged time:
h=3 m=59 s=23
